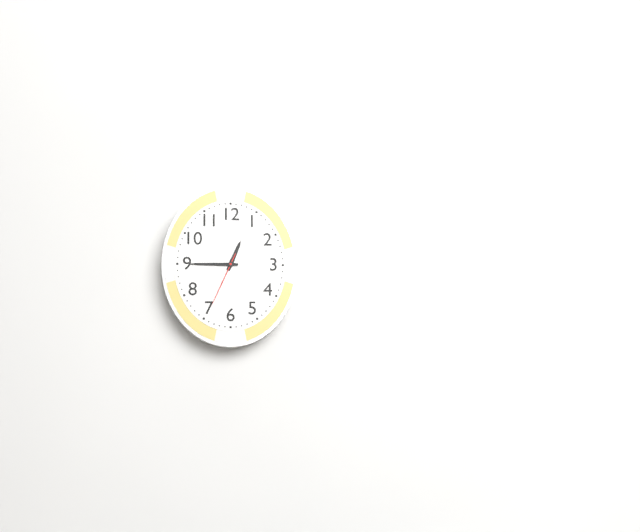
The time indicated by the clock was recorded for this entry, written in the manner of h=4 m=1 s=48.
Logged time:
h=12 m=45 s=34
